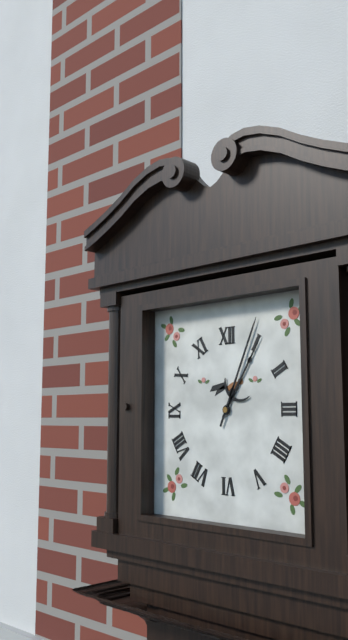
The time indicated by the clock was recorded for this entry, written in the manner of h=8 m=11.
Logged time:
h=1 m=4
